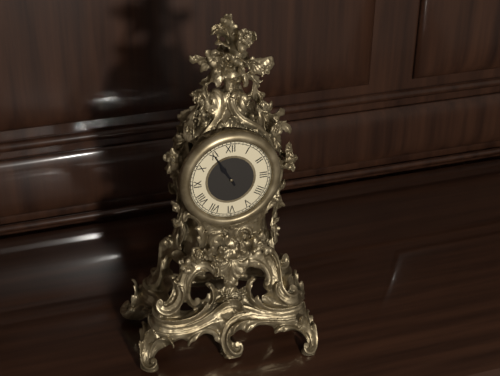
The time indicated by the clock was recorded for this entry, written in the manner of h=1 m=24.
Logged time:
h=10 m=55
